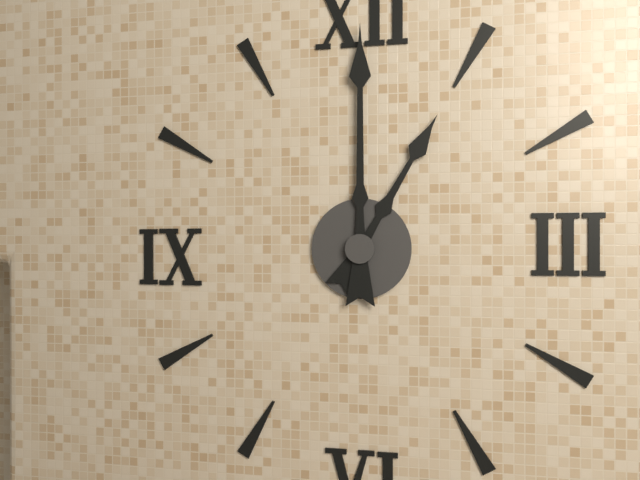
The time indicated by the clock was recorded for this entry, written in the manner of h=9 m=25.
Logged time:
h=1 m=0
